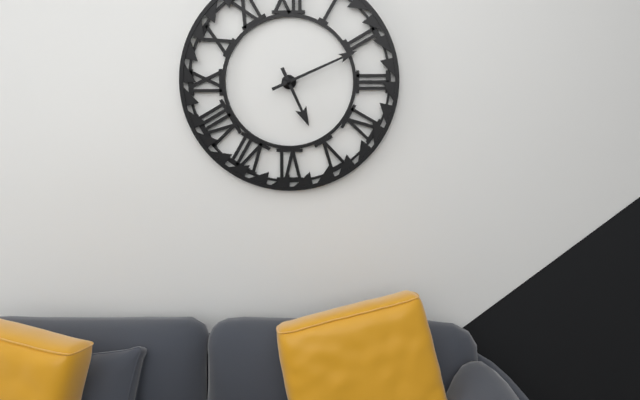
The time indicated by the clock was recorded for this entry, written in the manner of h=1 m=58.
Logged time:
h=5 m=11
